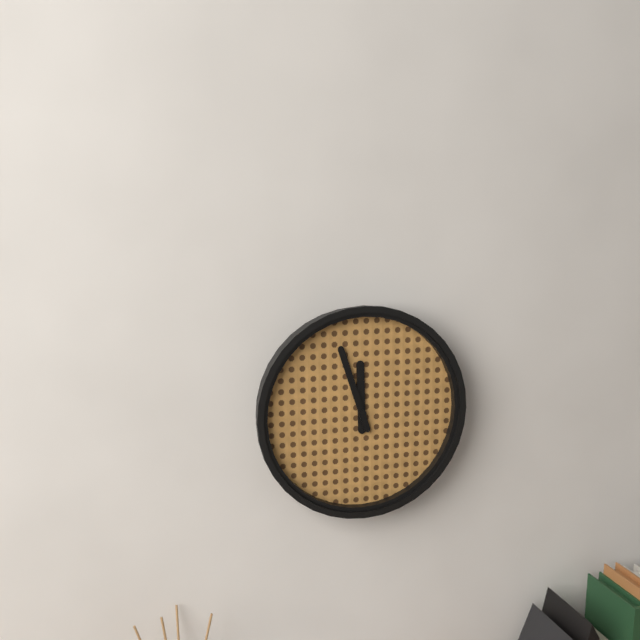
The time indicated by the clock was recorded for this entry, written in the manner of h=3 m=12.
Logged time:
h=11 m=57
